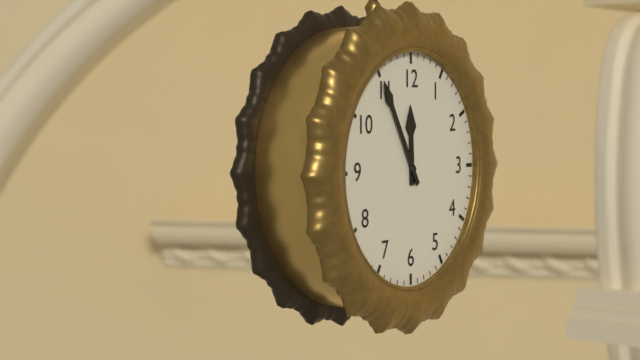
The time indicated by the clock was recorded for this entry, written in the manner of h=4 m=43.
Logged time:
h=11 m=55
